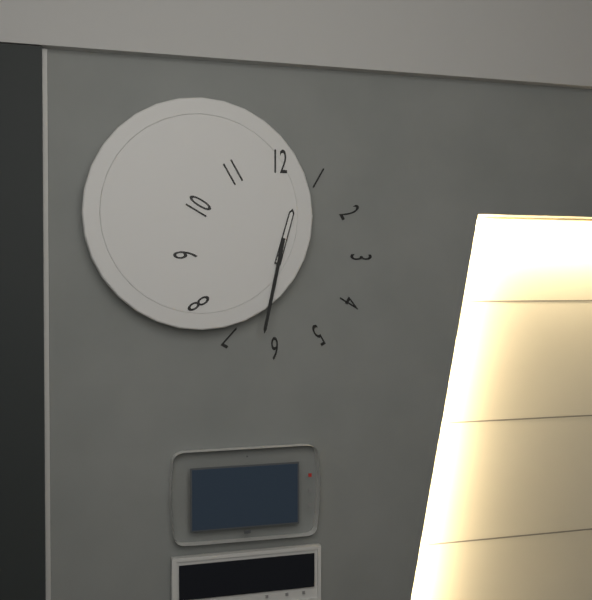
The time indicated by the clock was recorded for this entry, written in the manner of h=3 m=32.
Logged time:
h=12 m=32
